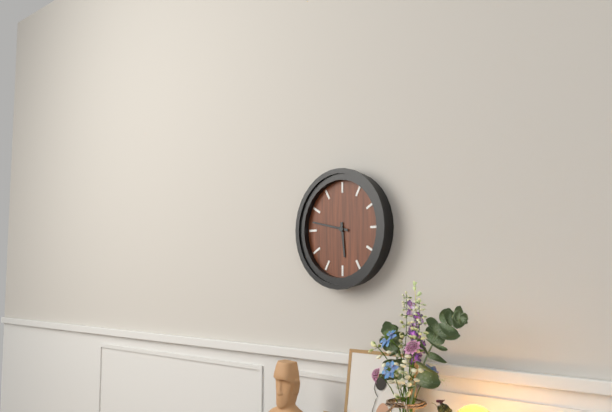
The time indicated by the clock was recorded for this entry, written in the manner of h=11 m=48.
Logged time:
h=5 m=47
